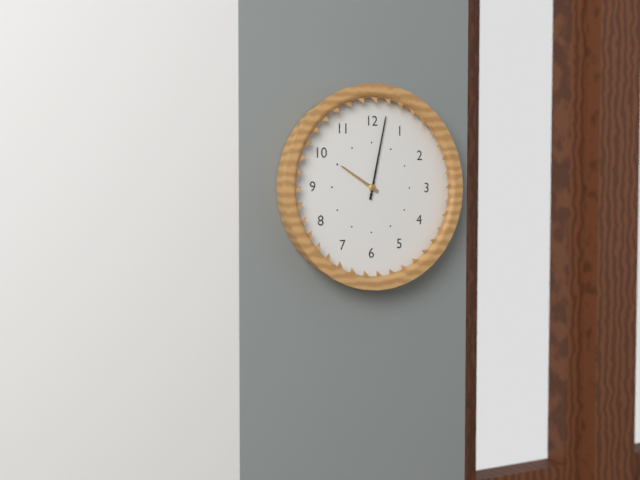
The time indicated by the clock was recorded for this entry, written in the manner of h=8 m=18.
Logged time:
h=10 m=2
